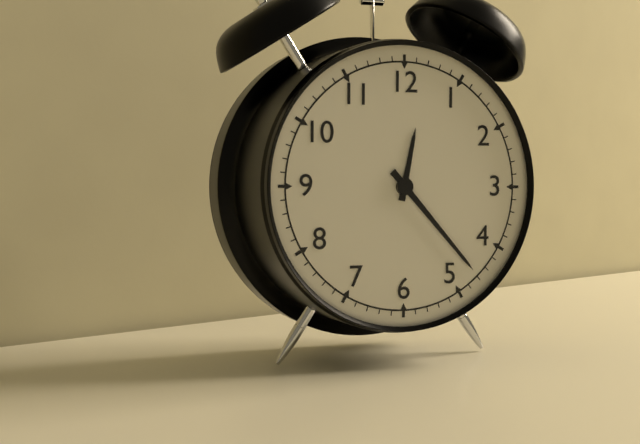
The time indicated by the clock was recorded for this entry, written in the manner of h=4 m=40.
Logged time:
h=12 m=23
